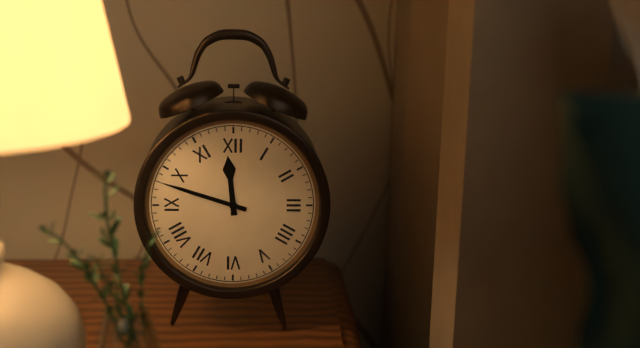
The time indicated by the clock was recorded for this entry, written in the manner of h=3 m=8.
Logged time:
h=11 m=48
